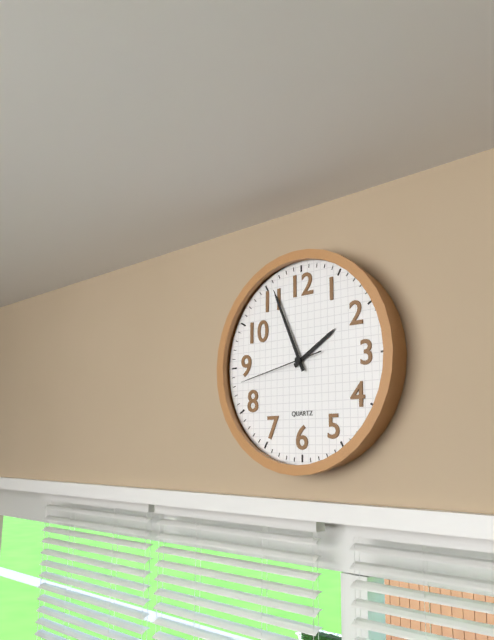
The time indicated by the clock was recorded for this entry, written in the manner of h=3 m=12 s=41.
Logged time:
h=1 m=56 s=43
